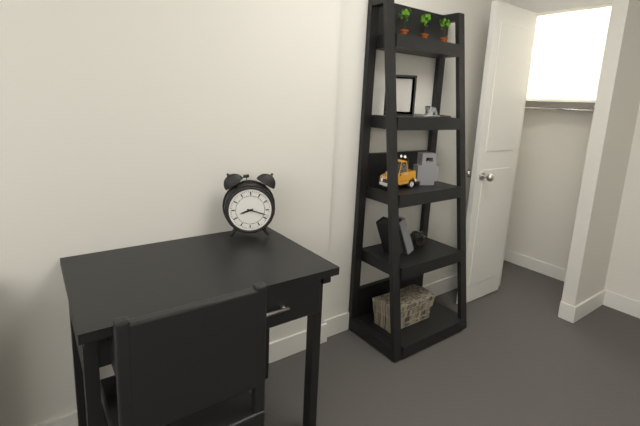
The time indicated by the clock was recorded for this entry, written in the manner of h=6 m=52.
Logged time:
h=8 m=18
